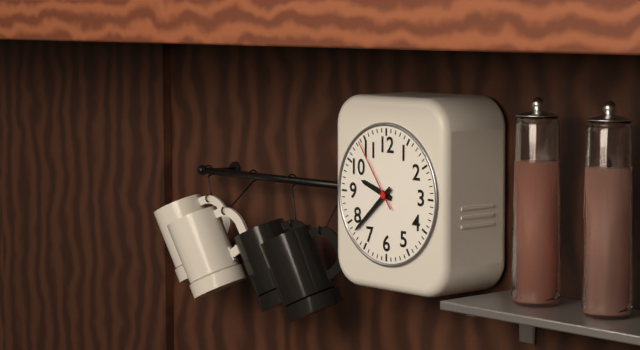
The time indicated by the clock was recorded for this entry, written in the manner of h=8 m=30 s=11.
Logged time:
h=9 m=38 s=54
